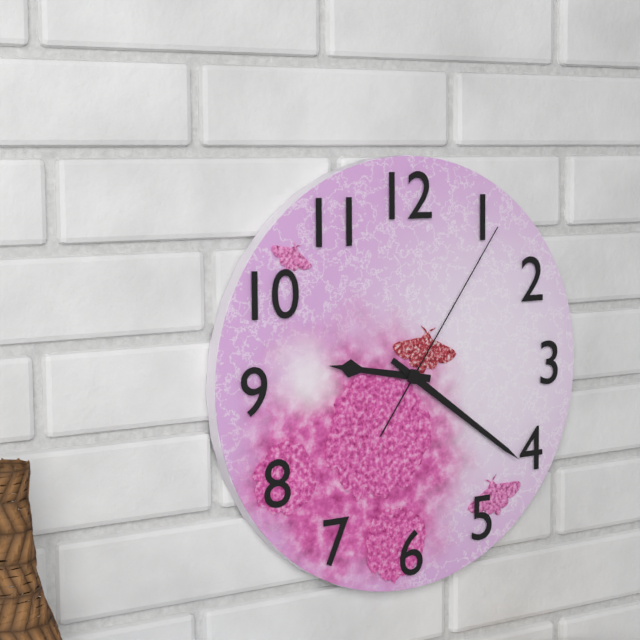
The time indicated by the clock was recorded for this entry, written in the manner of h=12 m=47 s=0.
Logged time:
h=9 m=21 s=6
